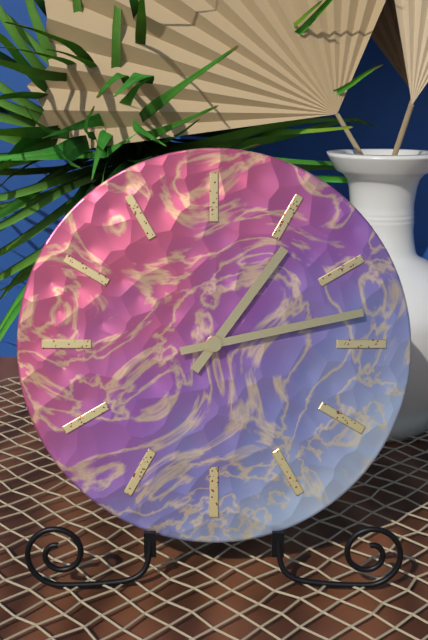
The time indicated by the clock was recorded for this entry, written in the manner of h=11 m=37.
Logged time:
h=1 m=13
